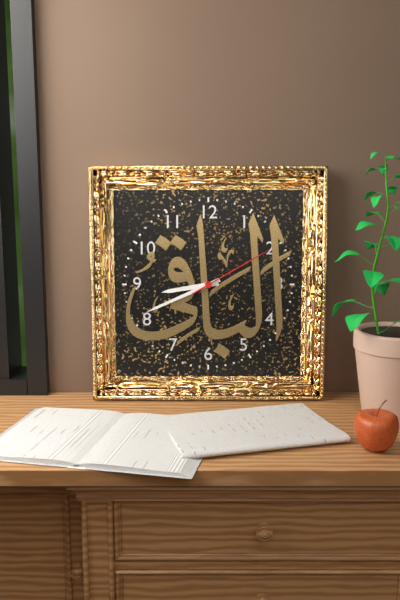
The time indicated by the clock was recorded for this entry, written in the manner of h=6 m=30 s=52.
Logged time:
h=8 m=41 s=10
